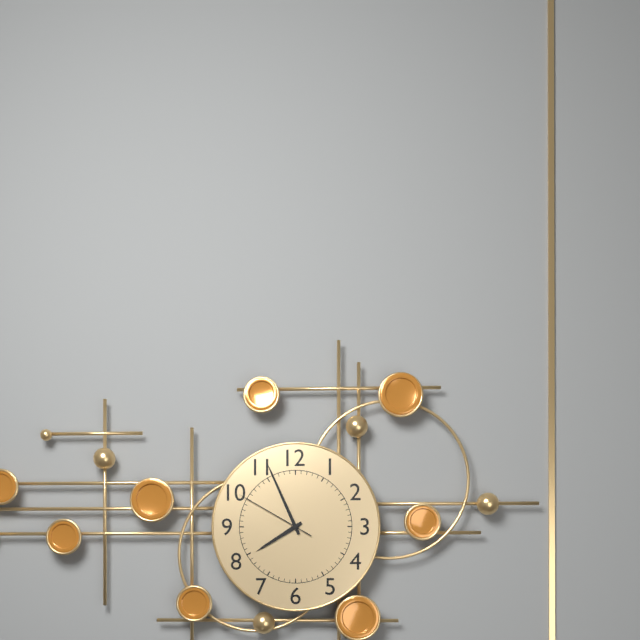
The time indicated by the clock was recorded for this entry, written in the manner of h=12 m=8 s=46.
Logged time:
h=7 m=56 s=50
